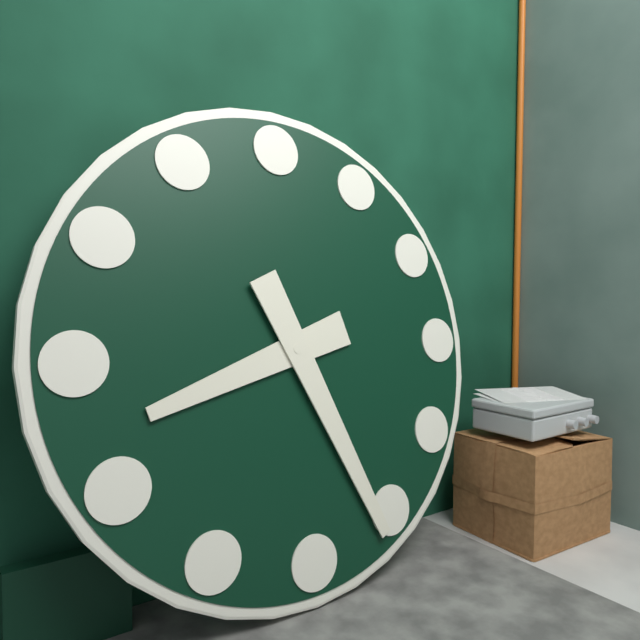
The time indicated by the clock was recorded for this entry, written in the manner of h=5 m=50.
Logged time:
h=8 m=26
